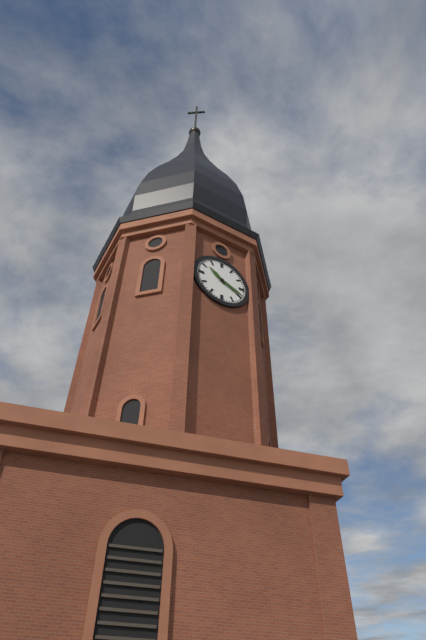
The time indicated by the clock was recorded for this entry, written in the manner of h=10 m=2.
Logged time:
h=10 m=19
